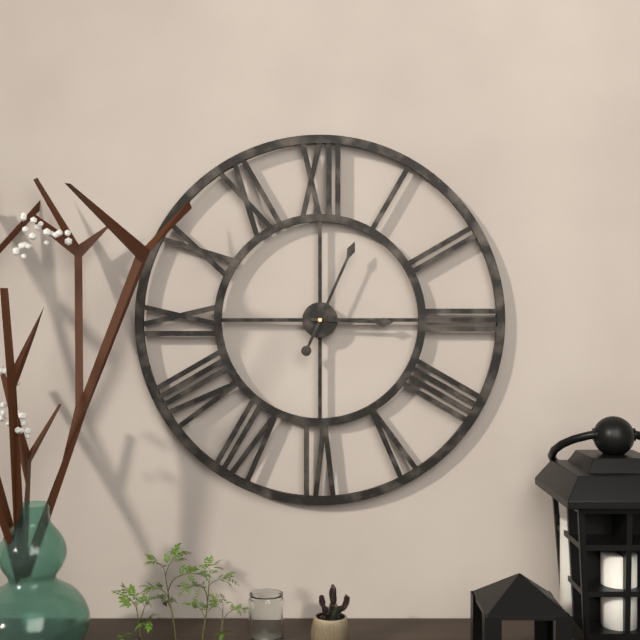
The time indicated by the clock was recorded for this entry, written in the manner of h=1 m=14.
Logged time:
h=3 m=4
